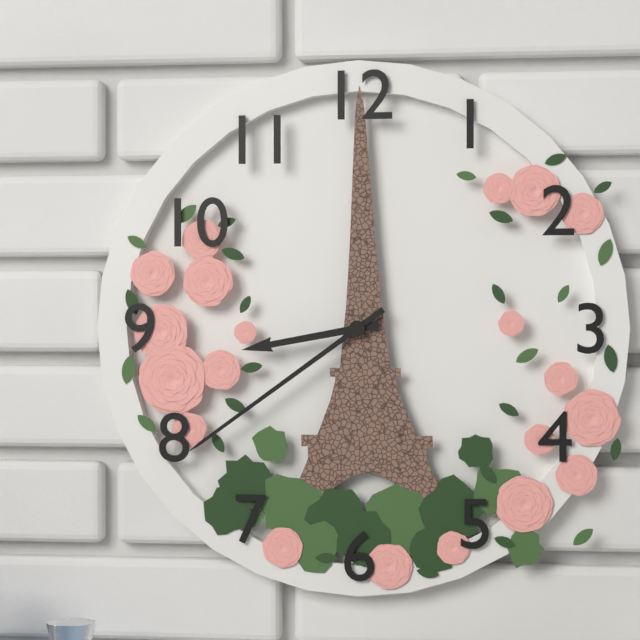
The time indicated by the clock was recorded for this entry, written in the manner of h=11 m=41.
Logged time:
h=8 m=39
